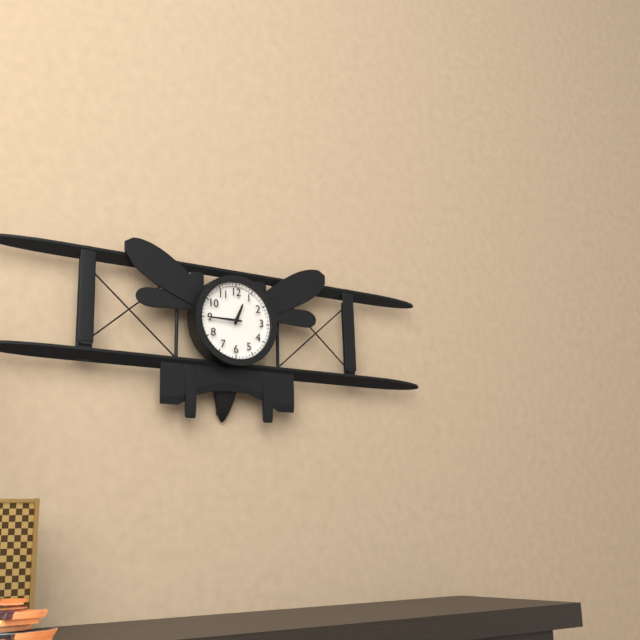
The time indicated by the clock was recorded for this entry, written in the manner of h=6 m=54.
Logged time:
h=12 m=45
